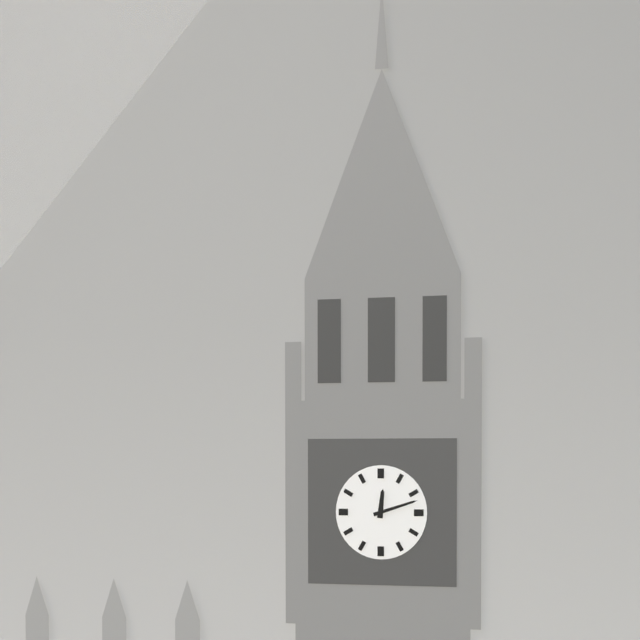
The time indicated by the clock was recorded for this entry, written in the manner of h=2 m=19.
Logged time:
h=12 m=12
